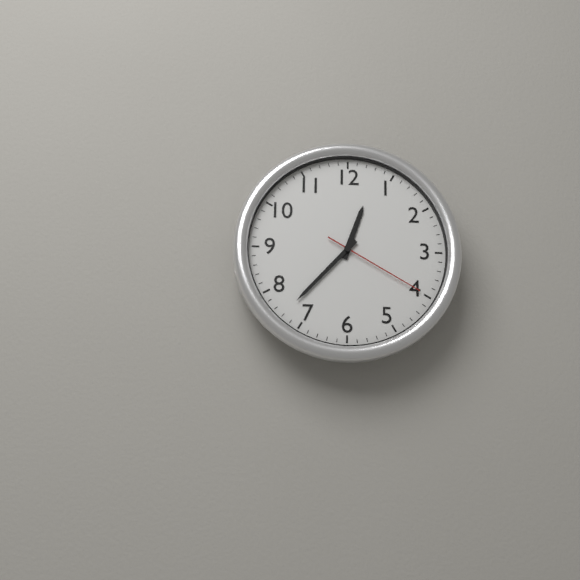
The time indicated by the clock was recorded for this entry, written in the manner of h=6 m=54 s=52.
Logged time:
h=12 m=37 s=20
